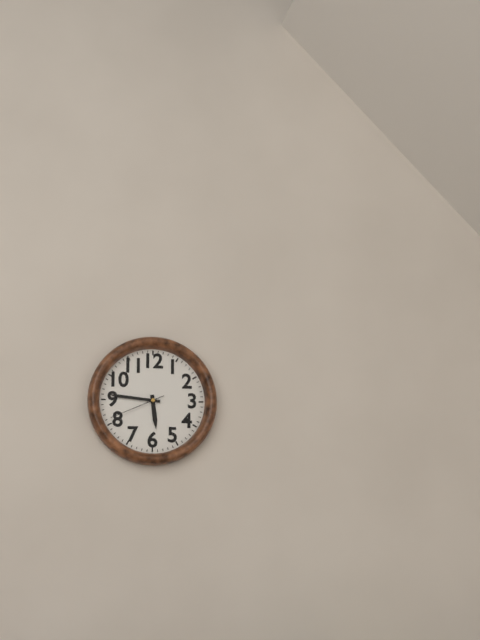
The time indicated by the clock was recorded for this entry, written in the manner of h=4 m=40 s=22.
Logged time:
h=5 m=46 s=41
